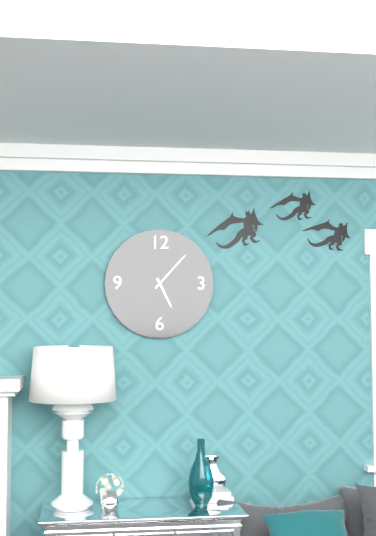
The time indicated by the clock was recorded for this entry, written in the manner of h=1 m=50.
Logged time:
h=5 m=7
